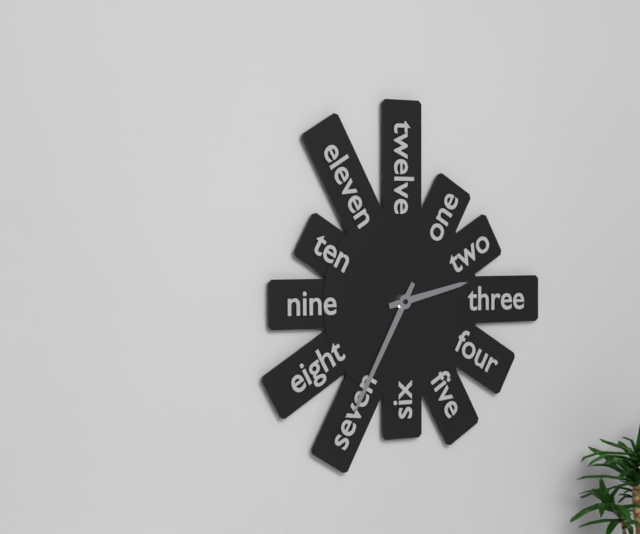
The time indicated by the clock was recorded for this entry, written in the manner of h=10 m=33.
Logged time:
h=2 m=35
